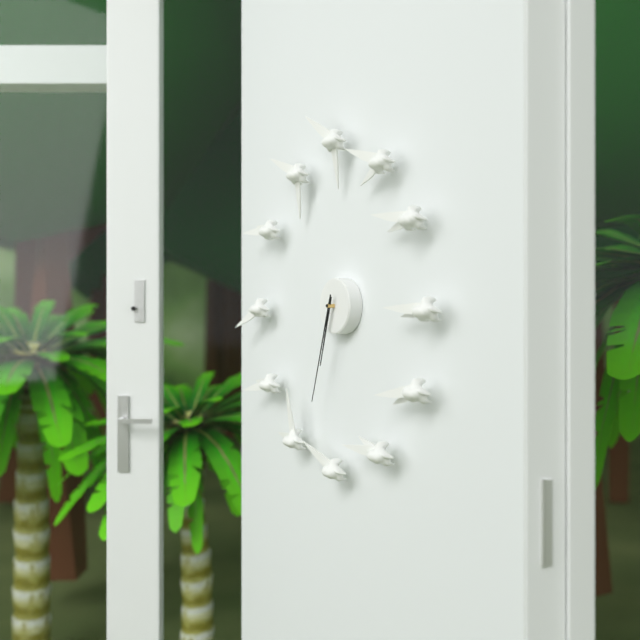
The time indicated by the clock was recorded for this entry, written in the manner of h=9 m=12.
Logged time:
h=6 m=33
